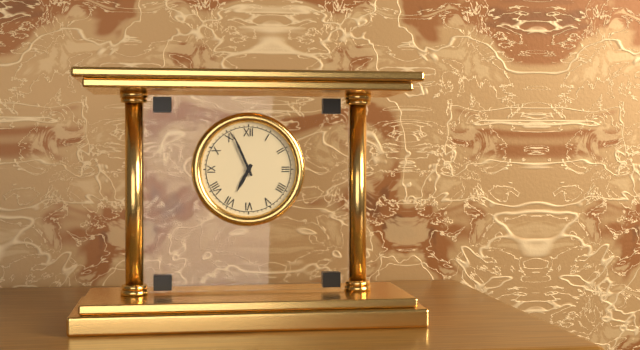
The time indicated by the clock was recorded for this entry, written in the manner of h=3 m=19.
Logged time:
h=6 m=56
